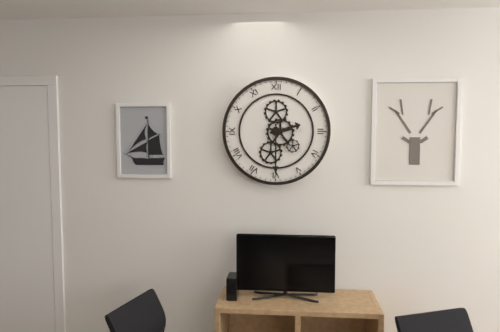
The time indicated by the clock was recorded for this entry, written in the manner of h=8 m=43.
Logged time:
h=2 m=30
